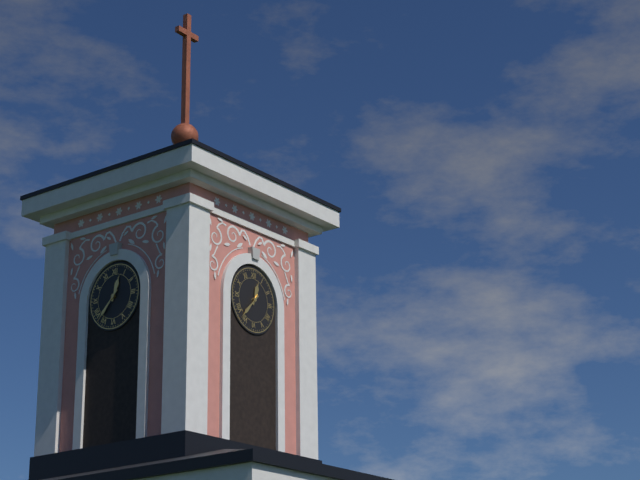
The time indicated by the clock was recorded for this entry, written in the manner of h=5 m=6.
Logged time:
h=12 m=37
